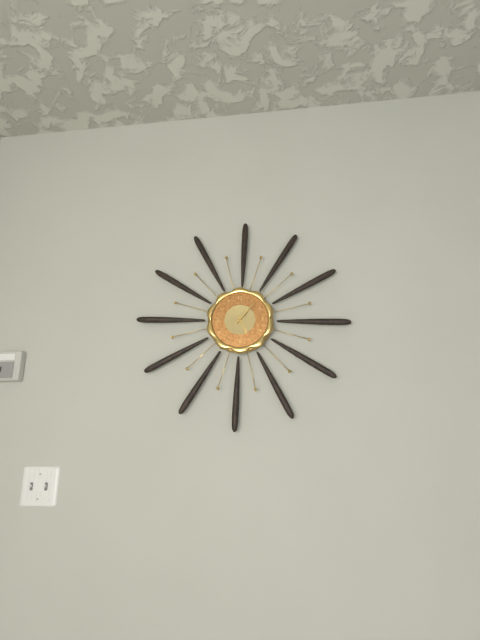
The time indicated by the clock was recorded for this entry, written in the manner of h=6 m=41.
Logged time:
h=5 m=7
